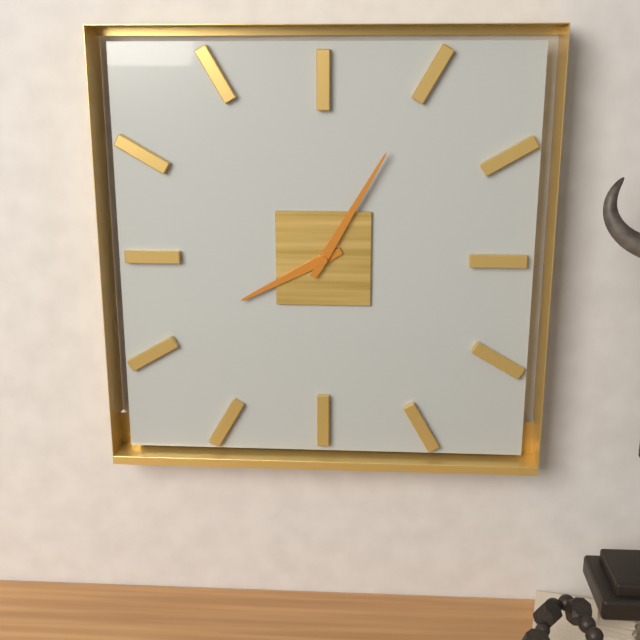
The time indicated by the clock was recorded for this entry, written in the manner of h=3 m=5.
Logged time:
h=8 m=5
